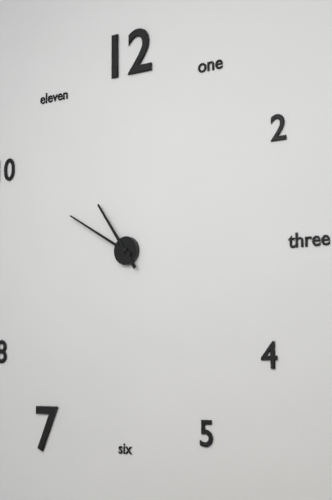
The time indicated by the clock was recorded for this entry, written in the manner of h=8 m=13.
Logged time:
h=10 m=50
